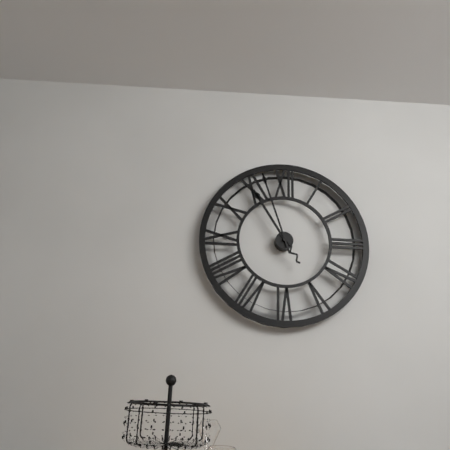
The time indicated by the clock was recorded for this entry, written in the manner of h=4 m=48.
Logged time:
h=10 m=57
